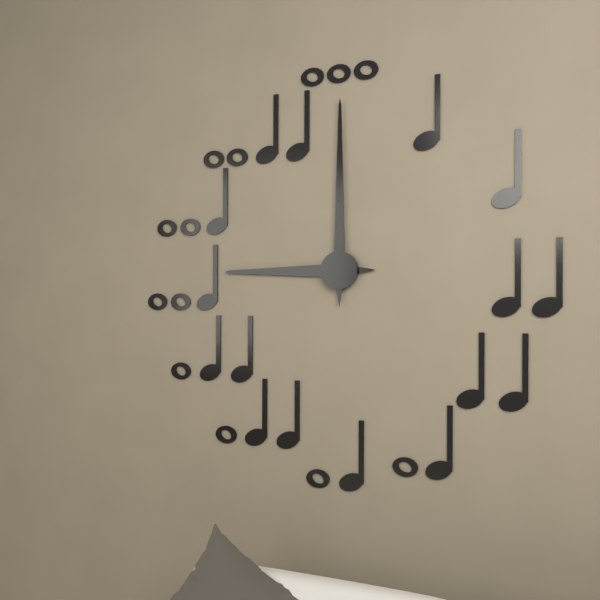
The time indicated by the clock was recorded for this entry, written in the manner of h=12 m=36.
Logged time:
h=9 m=0
